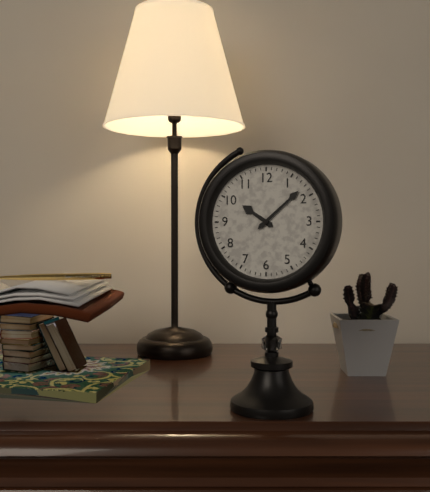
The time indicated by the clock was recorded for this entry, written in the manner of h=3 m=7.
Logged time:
h=10 m=8
